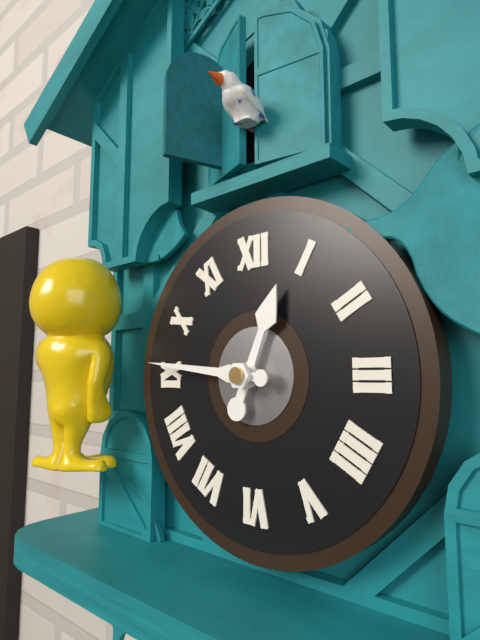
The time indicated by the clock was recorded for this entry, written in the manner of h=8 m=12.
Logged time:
h=12 m=46
